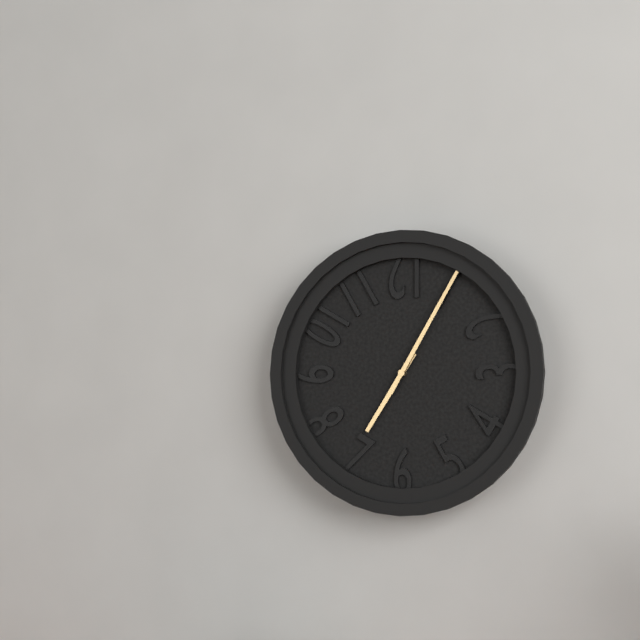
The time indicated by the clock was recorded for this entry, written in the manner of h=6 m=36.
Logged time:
h=7 m=5
